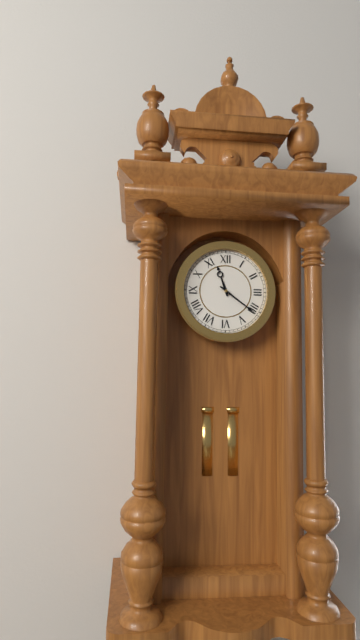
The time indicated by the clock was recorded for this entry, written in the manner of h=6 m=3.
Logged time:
h=11 m=21
